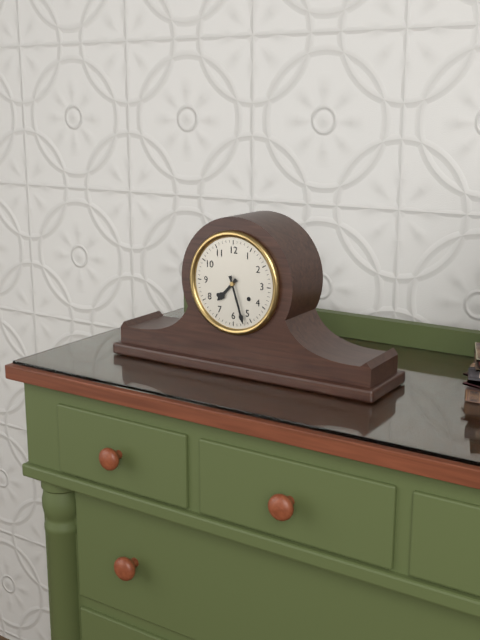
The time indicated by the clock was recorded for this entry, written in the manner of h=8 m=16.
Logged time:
h=7 m=27
